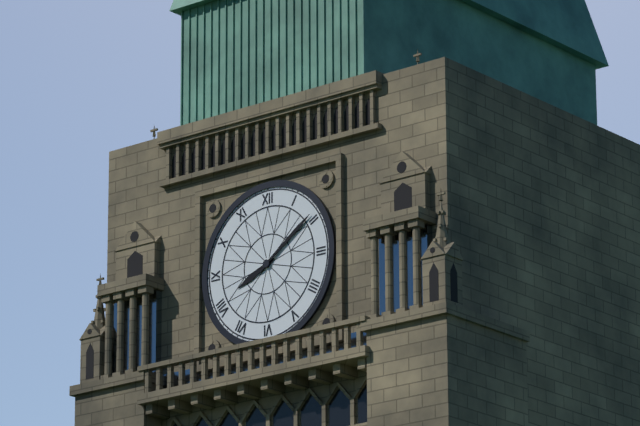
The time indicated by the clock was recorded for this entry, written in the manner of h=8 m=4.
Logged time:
h=8 m=9
